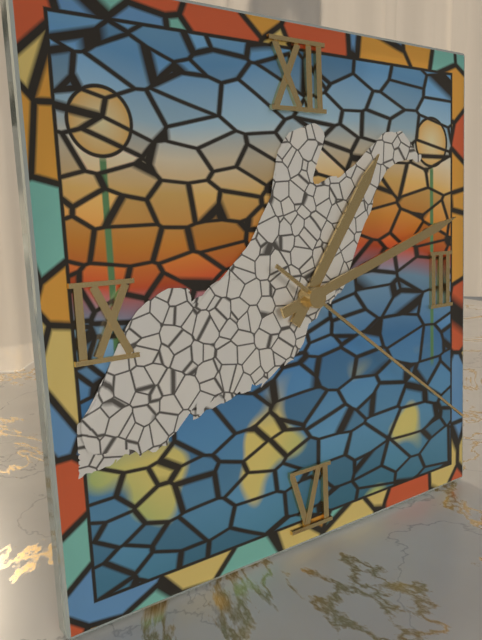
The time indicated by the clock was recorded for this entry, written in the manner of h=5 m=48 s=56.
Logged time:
h=1 m=12 s=21
